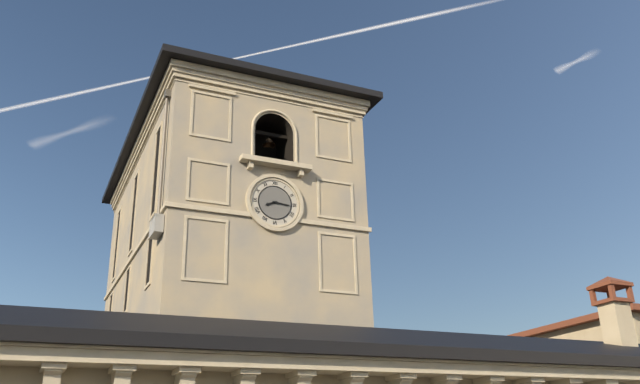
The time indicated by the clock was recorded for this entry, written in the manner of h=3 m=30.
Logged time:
h=8 m=16
